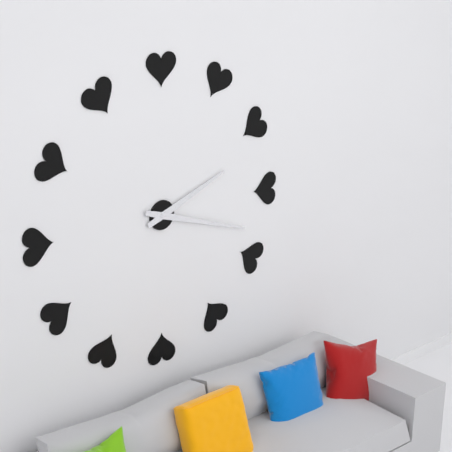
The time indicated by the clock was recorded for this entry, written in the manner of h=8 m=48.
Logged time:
h=2 m=18
